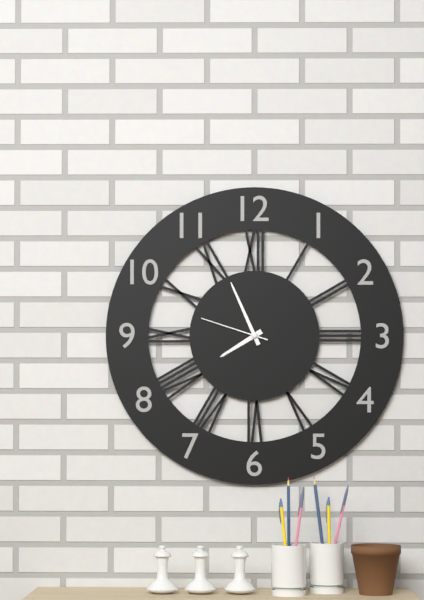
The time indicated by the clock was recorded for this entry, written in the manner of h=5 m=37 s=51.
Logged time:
h=7 m=56 s=48
